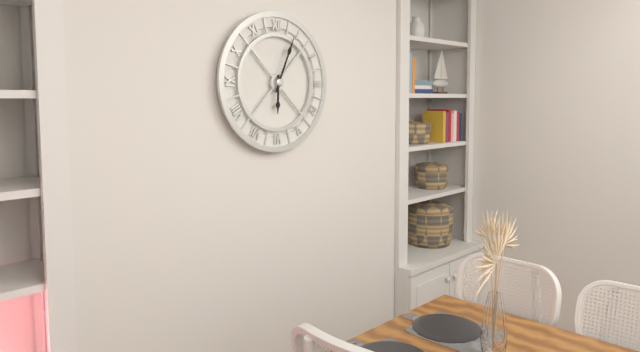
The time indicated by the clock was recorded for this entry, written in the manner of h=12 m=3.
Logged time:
h=6 m=4
